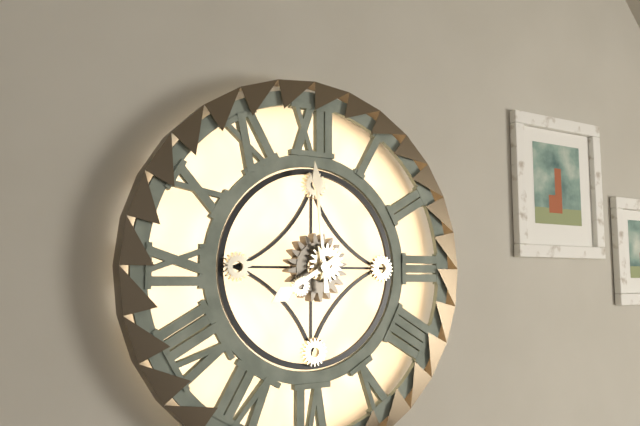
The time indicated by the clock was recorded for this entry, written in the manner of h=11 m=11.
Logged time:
h=7 m=59
